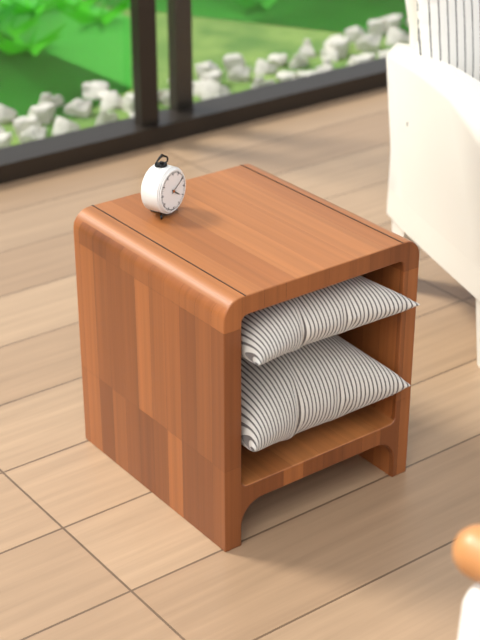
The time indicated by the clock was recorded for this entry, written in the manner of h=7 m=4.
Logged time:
h=4 m=10
